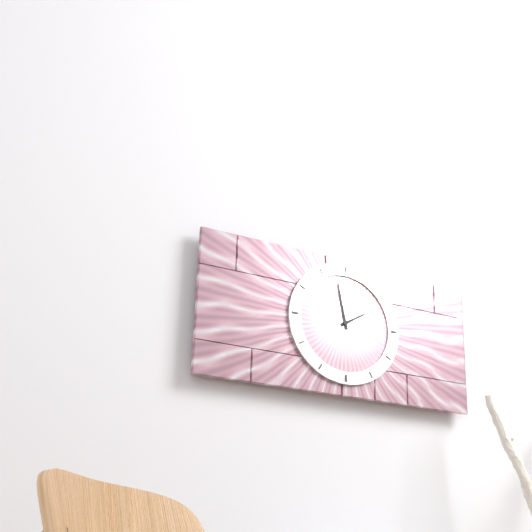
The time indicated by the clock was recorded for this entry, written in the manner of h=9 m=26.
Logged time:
h=1 m=58
